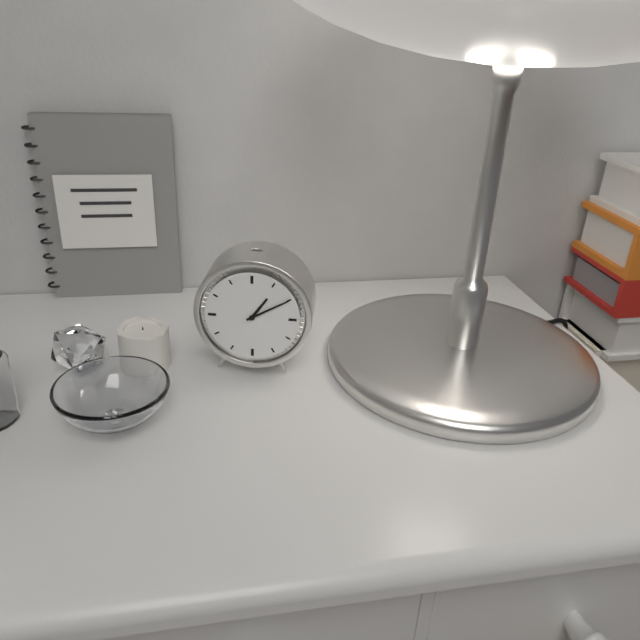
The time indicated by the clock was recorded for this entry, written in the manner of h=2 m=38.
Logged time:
h=1 m=10
